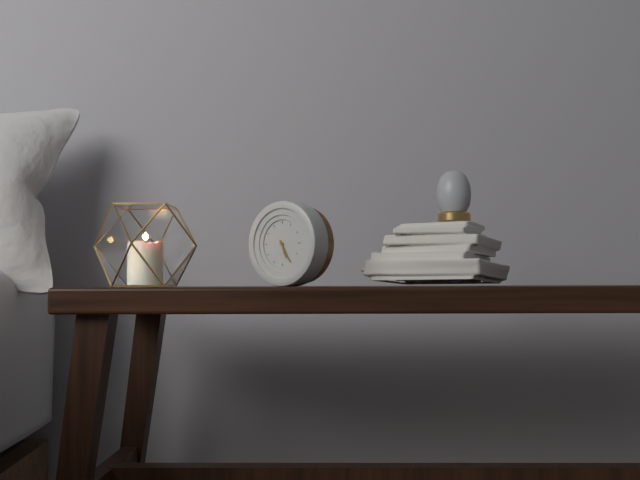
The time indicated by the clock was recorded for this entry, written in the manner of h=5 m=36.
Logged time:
h=5 m=25
